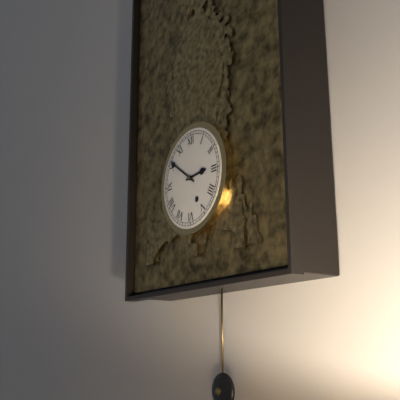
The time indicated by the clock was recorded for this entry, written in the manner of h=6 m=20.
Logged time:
h=2 m=51
